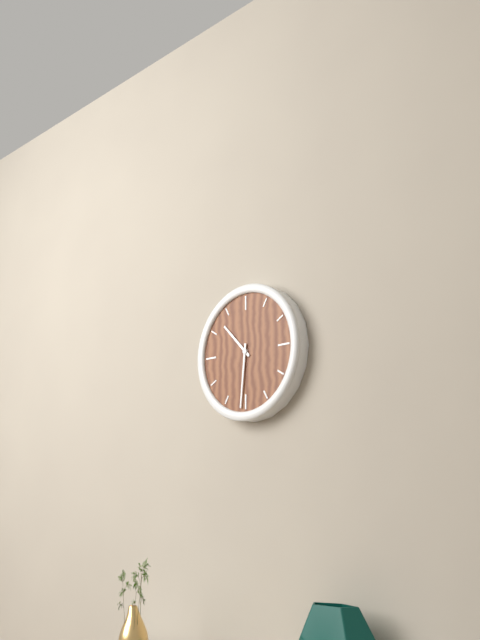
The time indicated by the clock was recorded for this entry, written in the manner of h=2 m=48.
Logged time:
h=10 m=31
